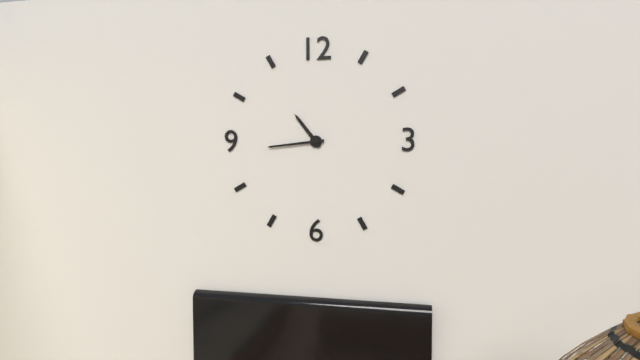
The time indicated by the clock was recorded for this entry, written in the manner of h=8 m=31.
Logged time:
h=10 m=44
